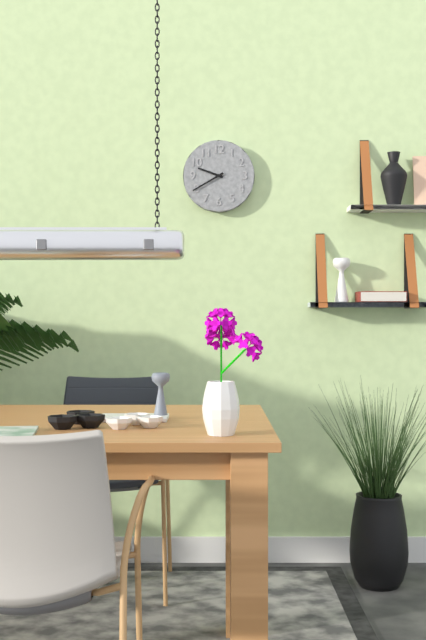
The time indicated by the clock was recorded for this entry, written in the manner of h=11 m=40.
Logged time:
h=9 m=40
